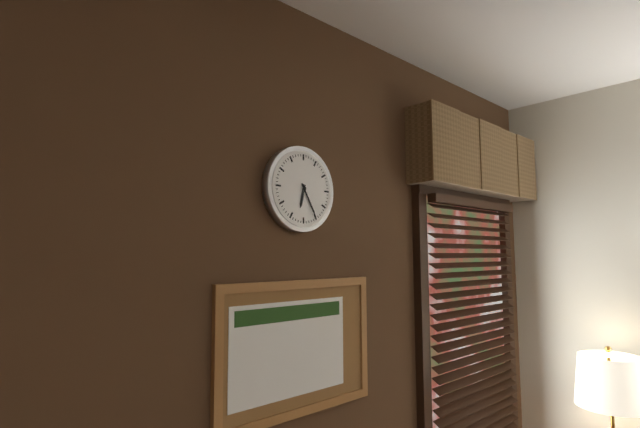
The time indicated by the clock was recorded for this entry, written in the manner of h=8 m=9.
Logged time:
h=6 m=25
